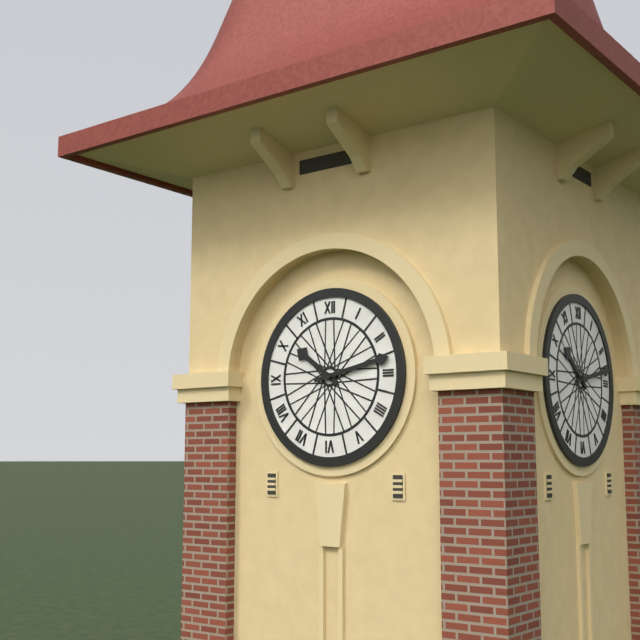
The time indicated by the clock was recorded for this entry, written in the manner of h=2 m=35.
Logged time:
h=10 m=13
